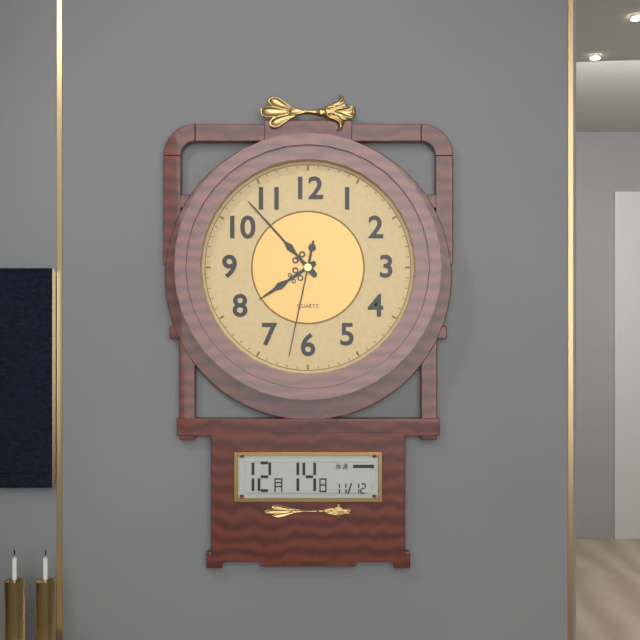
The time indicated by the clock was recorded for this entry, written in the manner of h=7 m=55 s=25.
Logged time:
h=7 m=53 s=32
